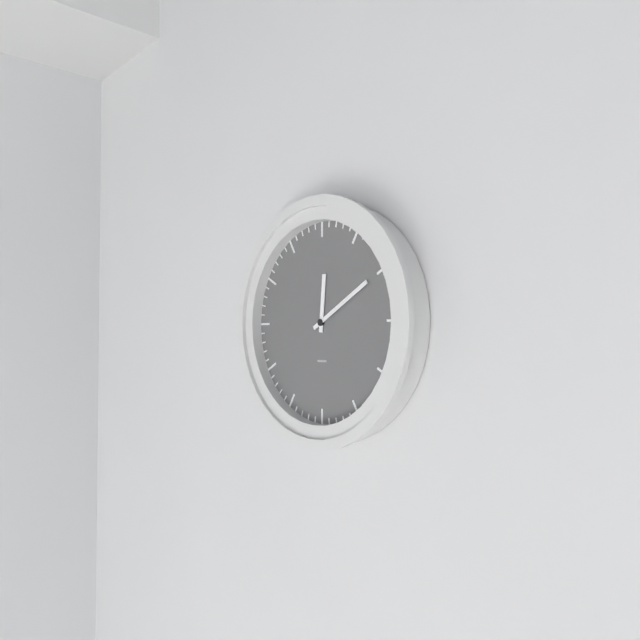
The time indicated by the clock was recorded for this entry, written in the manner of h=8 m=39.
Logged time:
h=12 m=10
